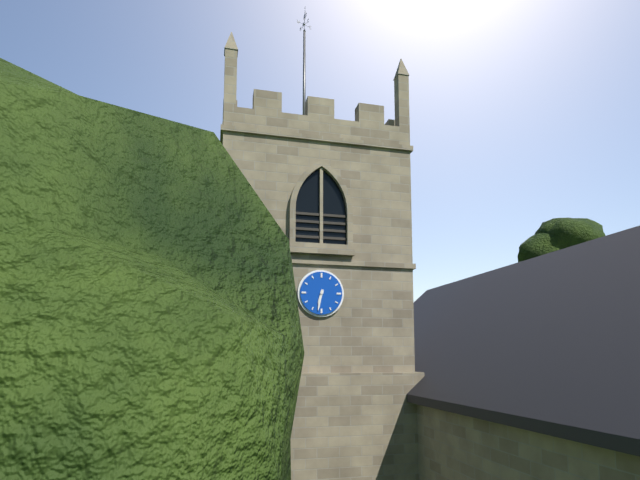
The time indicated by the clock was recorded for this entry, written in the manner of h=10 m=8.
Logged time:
h=6 m=32
